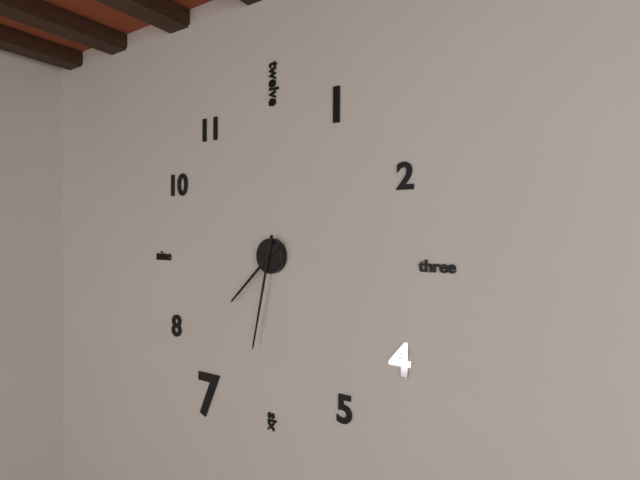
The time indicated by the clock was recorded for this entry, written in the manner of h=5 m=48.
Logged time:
h=7 m=32
